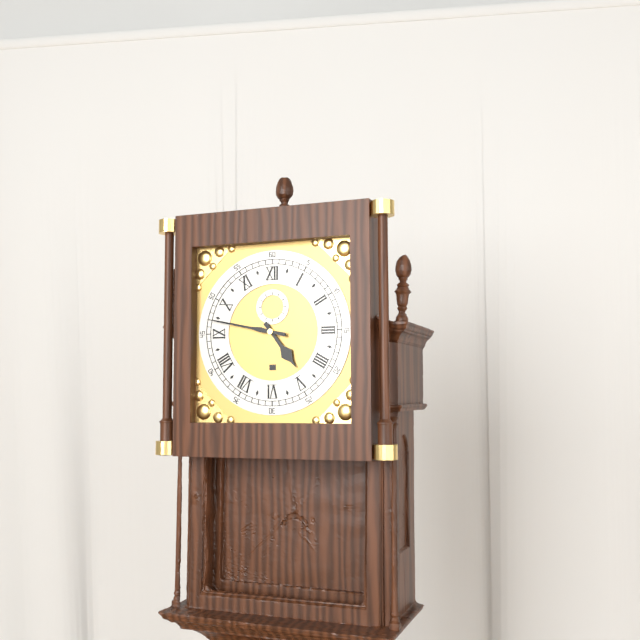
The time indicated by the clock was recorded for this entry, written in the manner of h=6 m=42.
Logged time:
h=4 m=47
